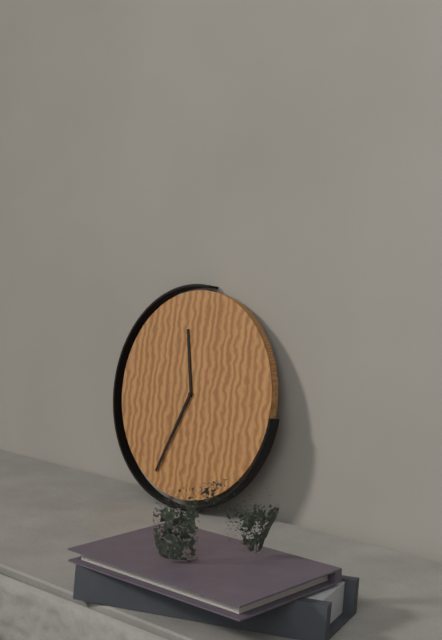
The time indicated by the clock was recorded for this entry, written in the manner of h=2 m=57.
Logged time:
h=11 m=34
